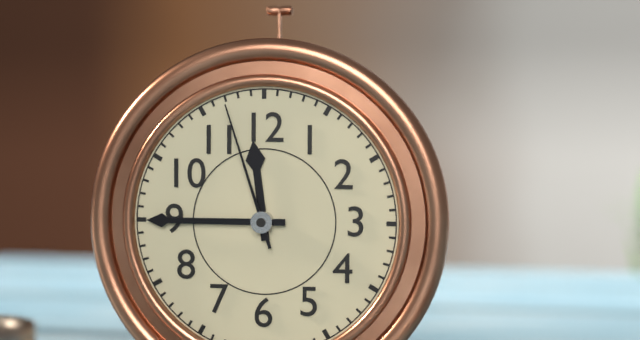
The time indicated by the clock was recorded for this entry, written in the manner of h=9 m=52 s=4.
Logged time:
h=11 m=45 s=57
